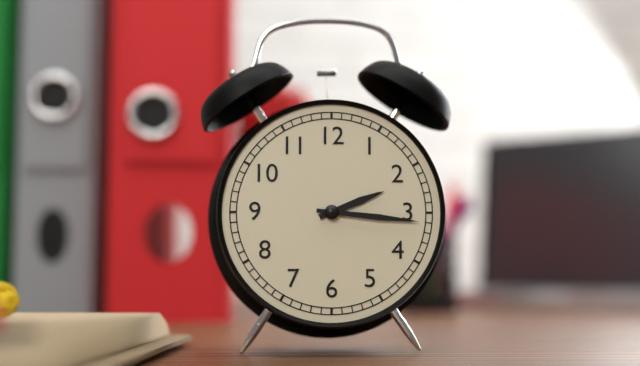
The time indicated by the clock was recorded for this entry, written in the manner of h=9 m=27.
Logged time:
h=2 m=16
